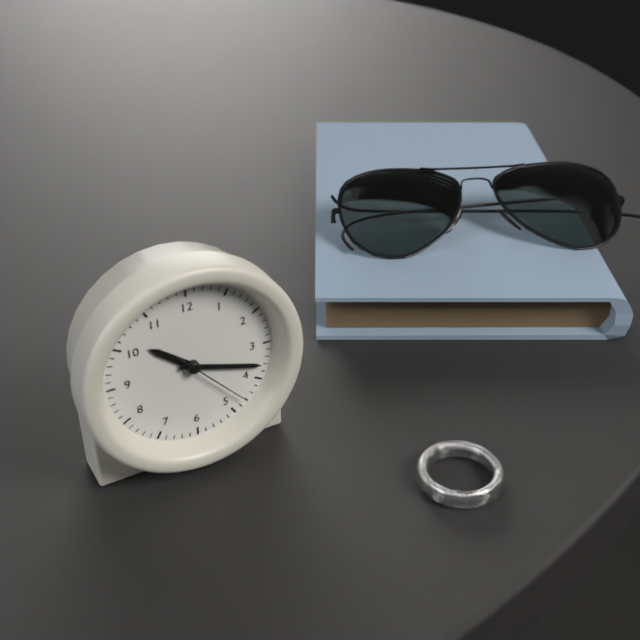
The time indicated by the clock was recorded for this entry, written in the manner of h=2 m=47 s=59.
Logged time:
h=10 m=18 s=23
